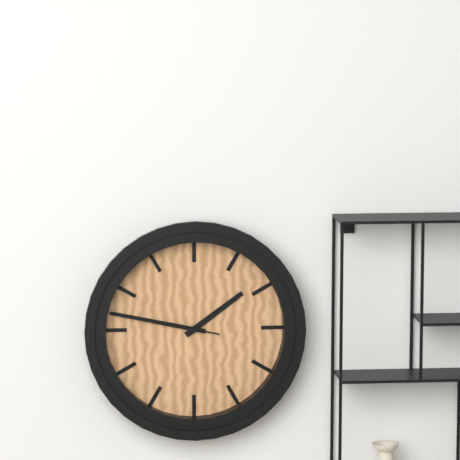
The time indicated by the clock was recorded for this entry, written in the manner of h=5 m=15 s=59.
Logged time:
h=1 m=47 s=47
